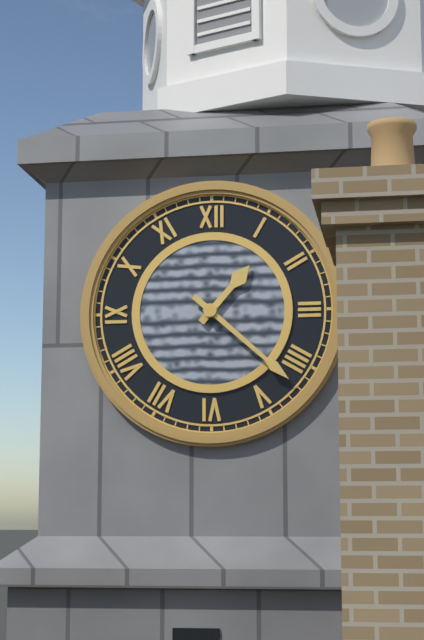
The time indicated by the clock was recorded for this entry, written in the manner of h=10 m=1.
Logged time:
h=1 m=22
